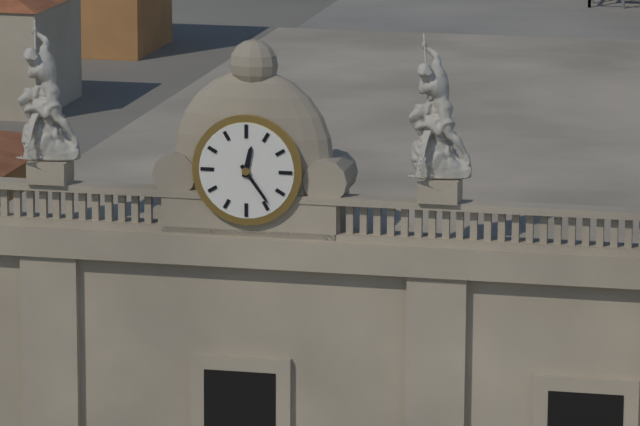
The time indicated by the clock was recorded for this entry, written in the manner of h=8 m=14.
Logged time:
h=12 m=24
